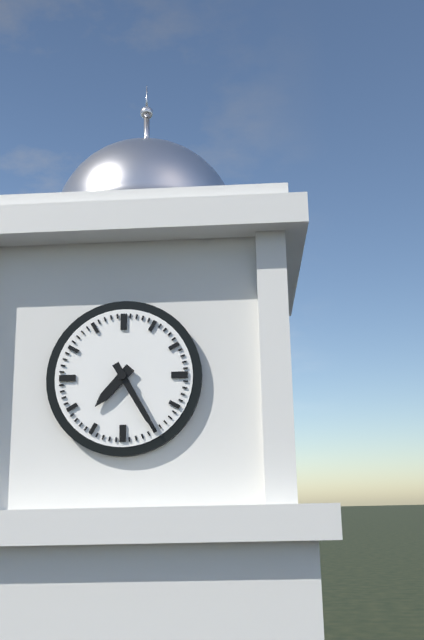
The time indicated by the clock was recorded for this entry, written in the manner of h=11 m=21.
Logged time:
h=7 m=25
